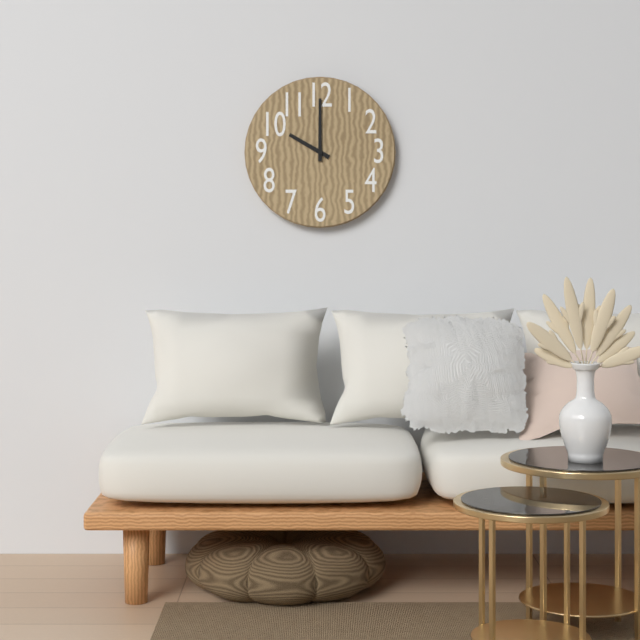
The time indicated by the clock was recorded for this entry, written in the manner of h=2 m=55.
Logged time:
h=10 m=0
